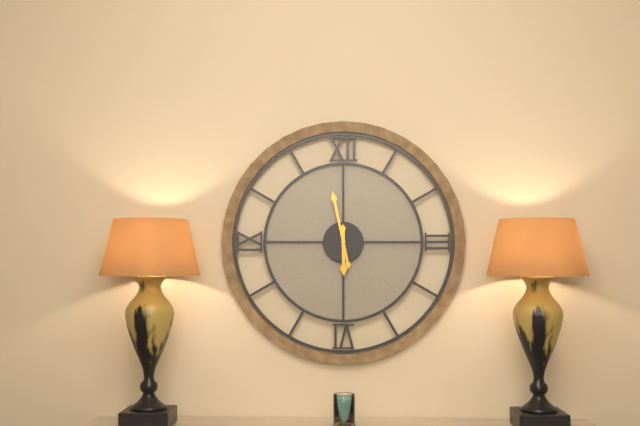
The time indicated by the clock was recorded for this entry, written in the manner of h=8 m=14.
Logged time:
h=5 m=58
